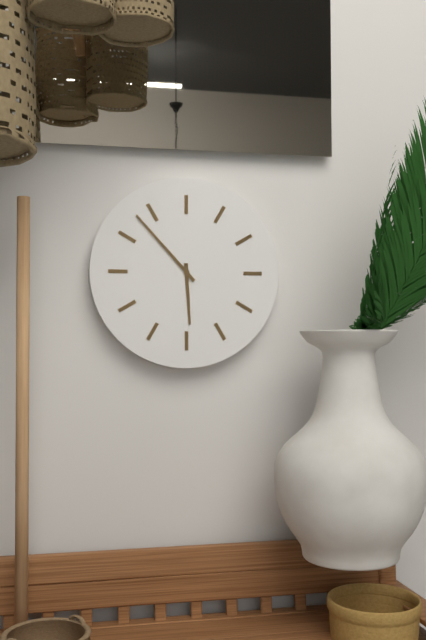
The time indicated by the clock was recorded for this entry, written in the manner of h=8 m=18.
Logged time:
h=5 m=53
